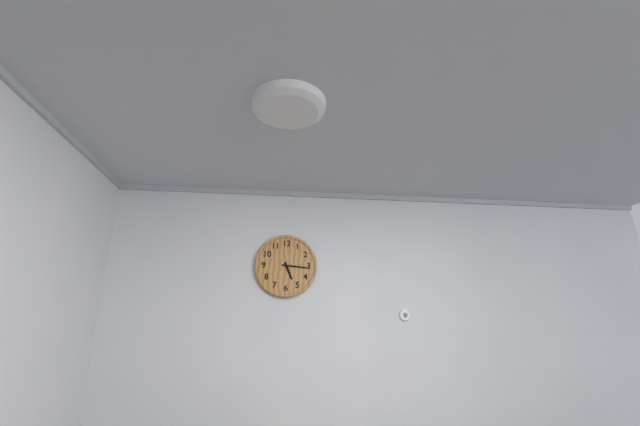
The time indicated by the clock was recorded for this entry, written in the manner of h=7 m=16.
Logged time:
h=5 m=16
